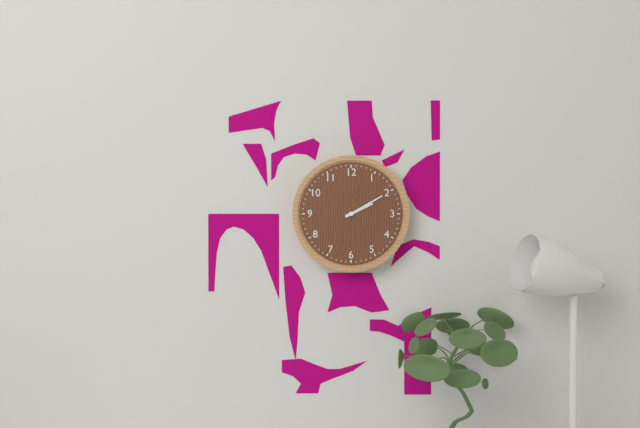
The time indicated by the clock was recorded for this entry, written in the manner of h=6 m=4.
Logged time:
h=2 m=10
